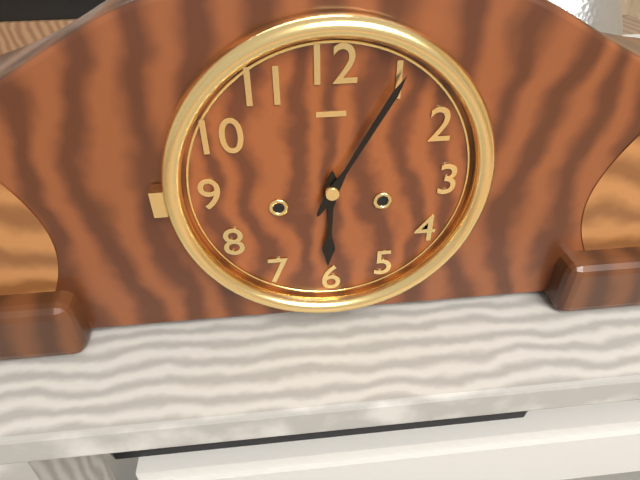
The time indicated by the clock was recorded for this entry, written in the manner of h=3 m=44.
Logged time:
h=6 m=5
